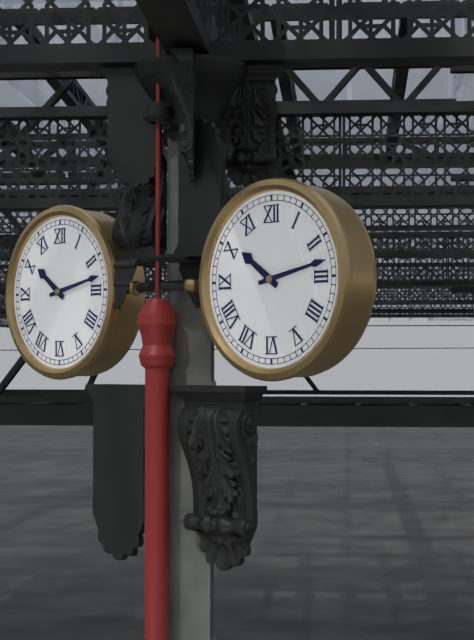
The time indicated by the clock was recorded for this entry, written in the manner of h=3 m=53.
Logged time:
h=10 m=13
